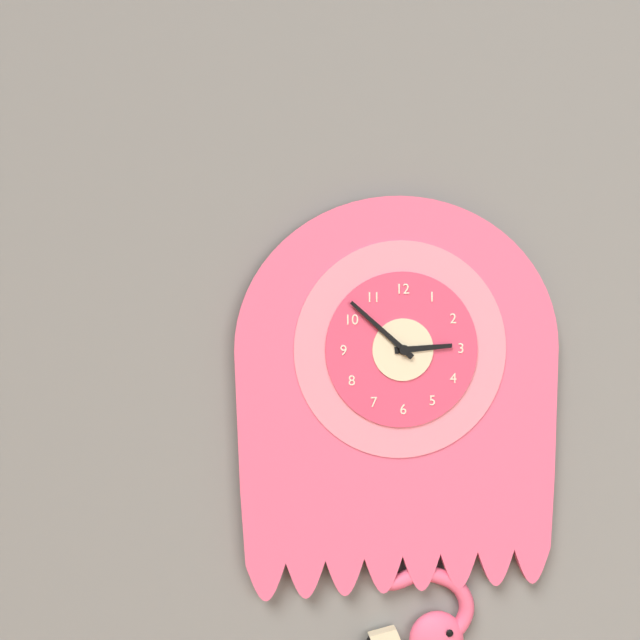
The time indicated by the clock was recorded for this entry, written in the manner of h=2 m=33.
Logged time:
h=2 m=52
